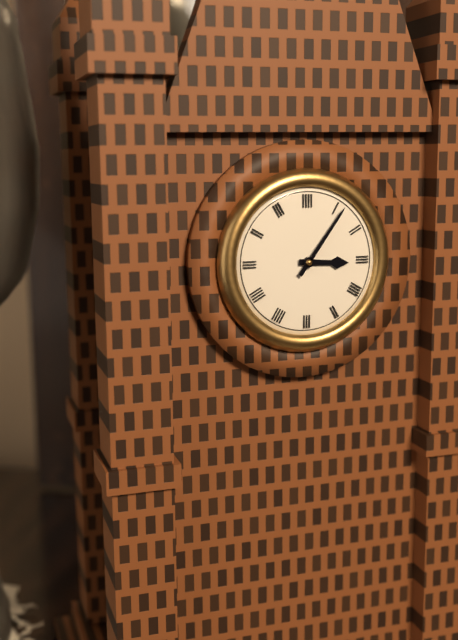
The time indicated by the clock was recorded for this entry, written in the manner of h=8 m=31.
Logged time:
h=3 m=6
